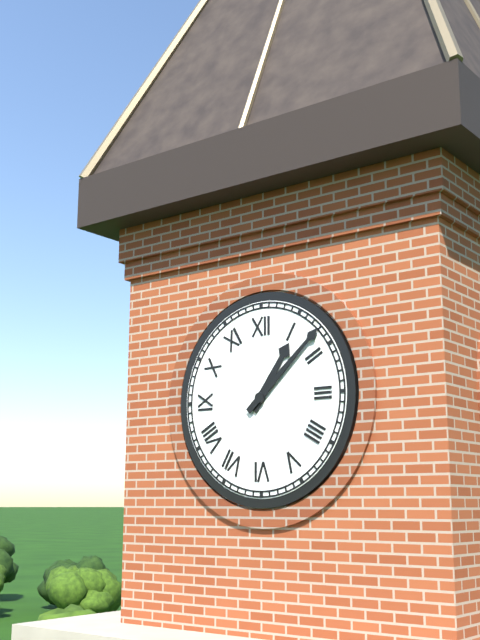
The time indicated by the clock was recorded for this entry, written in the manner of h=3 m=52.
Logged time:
h=1 m=8
